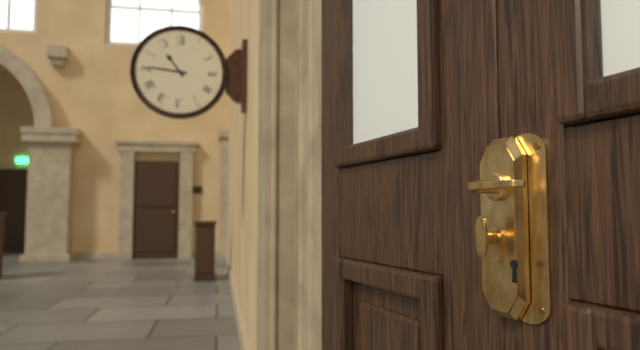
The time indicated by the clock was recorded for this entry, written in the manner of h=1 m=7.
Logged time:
h=10 m=46
